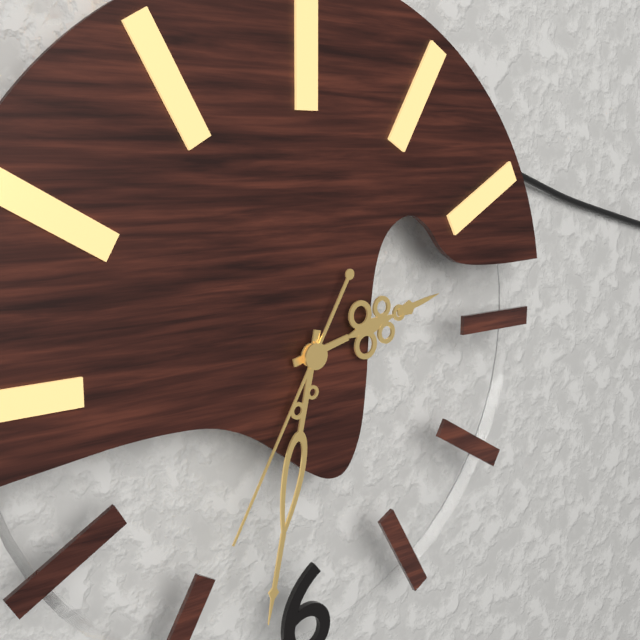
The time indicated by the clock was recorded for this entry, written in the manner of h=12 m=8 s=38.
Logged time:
h=2 m=32 s=35
